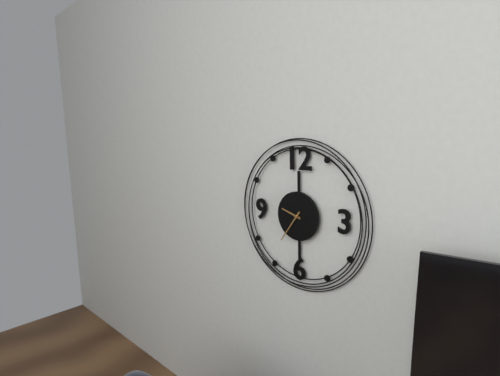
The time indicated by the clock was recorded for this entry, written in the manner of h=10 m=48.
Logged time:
h=9 m=36
